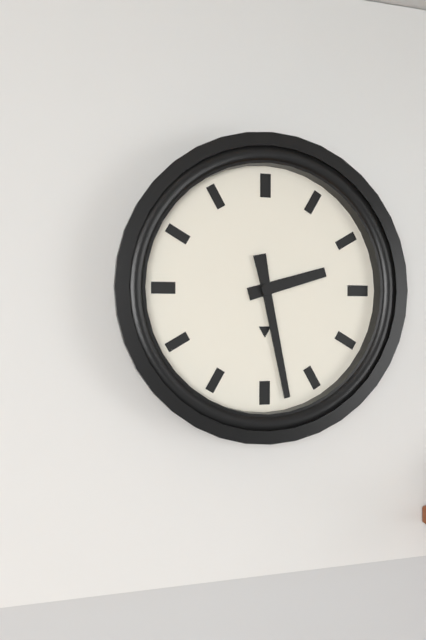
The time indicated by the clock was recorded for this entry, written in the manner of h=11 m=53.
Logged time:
h=2 m=28
